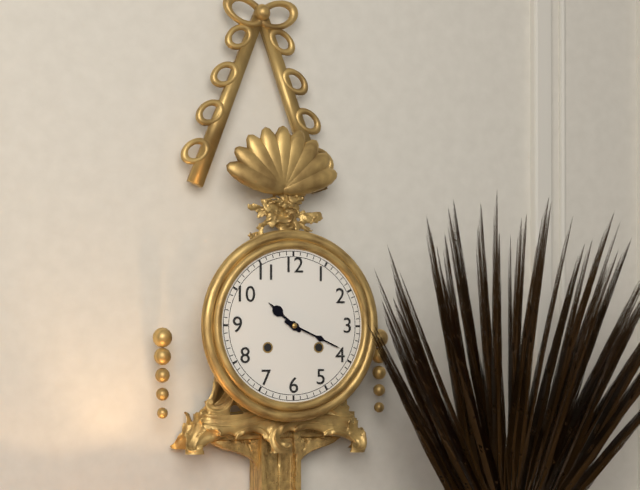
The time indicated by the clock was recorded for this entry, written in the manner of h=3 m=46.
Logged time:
h=10 m=19
